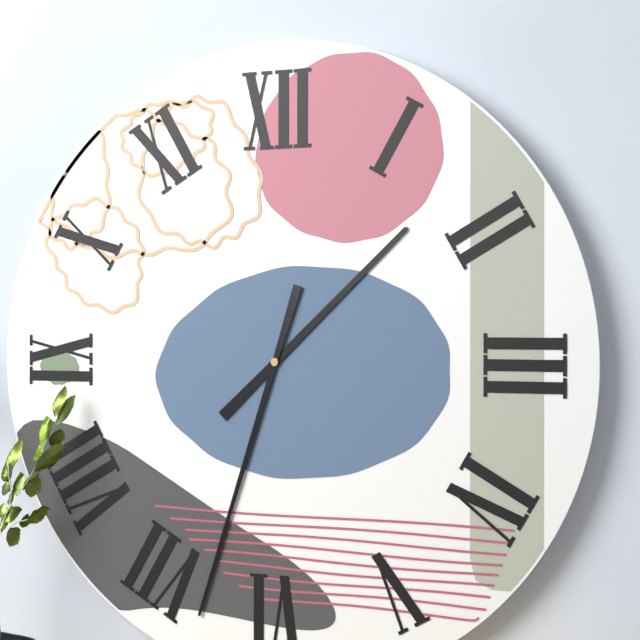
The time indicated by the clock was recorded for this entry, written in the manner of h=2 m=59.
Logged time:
h=1 m=33
